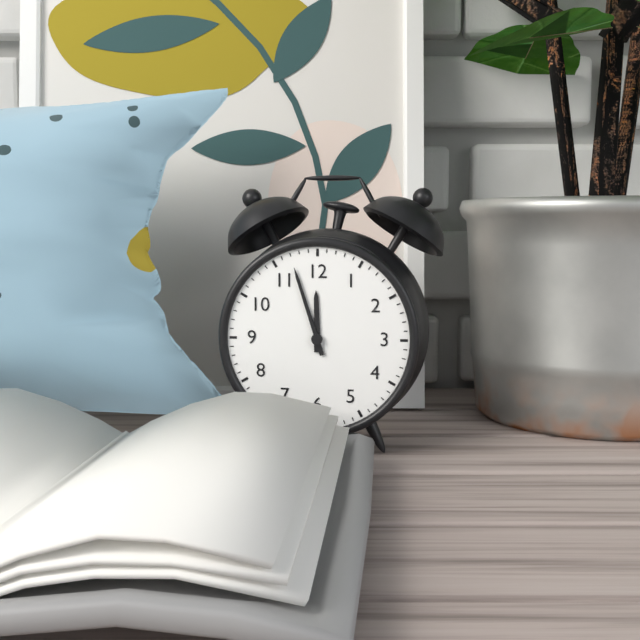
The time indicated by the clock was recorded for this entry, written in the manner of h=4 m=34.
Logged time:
h=11 m=57
